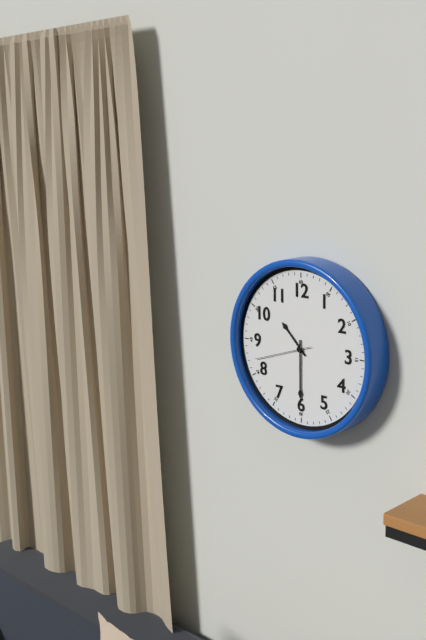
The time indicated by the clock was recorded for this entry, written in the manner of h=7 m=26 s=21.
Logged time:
h=10 m=30 s=42
